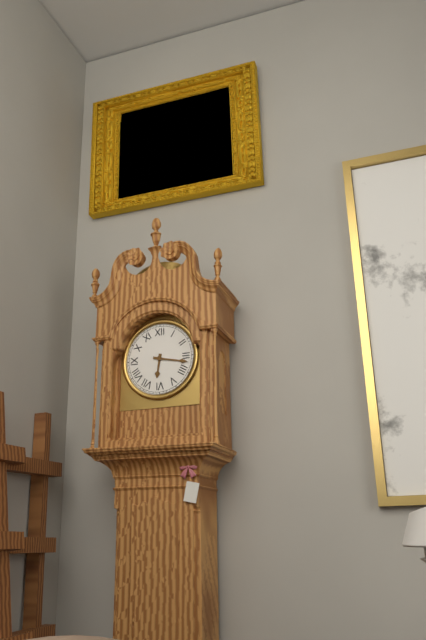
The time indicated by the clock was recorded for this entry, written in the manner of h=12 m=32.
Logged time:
h=6 m=17
